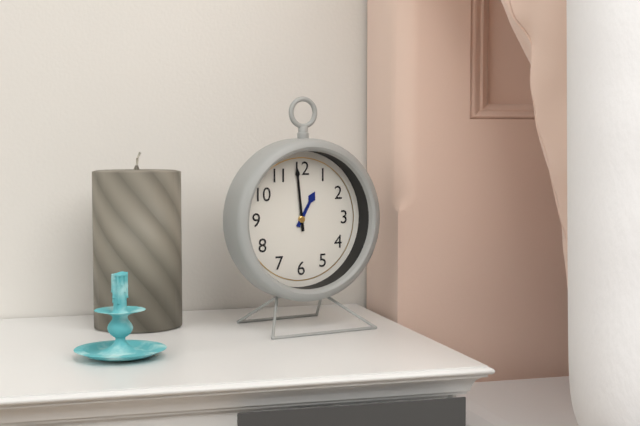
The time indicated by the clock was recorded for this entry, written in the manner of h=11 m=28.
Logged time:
h=12 m=59
